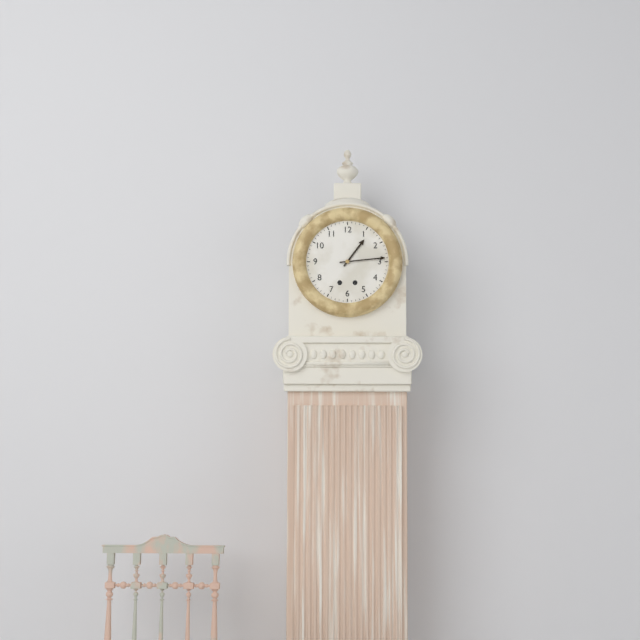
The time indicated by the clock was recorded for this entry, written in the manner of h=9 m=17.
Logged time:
h=1 m=14
